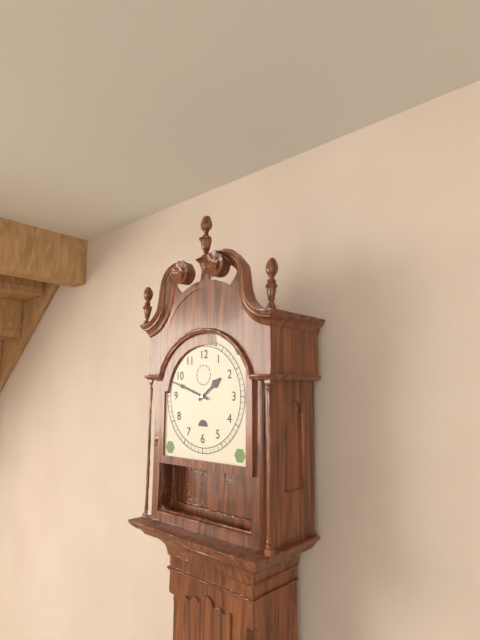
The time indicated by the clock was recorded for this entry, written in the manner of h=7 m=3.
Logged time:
h=1 m=48
